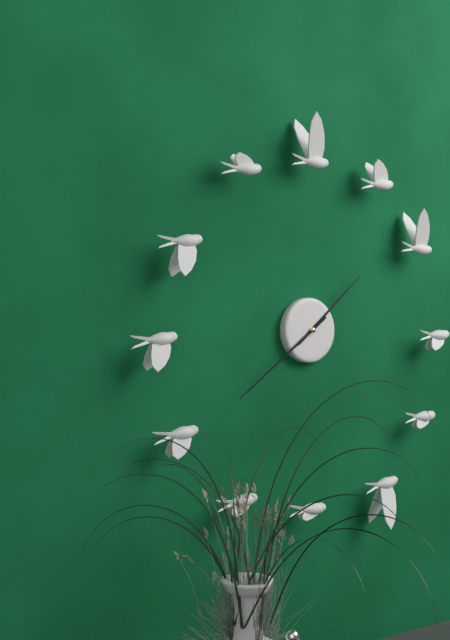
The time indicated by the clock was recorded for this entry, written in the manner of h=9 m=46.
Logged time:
h=1 m=39
